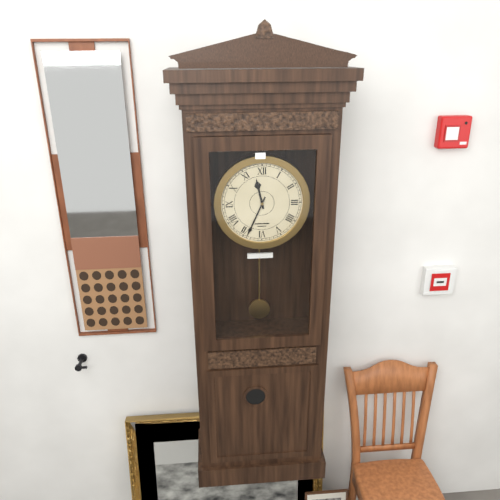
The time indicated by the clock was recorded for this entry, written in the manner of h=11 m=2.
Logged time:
h=11 m=34
